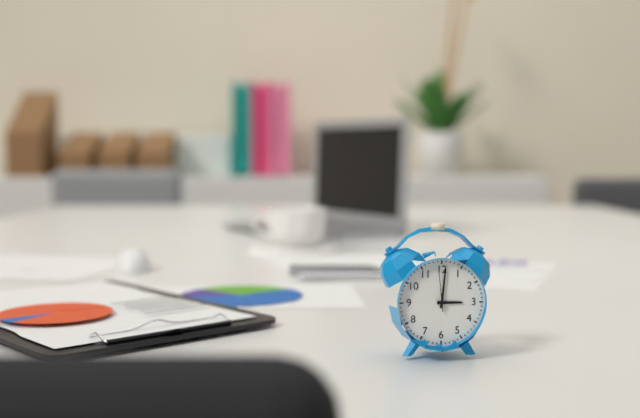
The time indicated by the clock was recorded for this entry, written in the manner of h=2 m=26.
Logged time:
h=3 m=1
